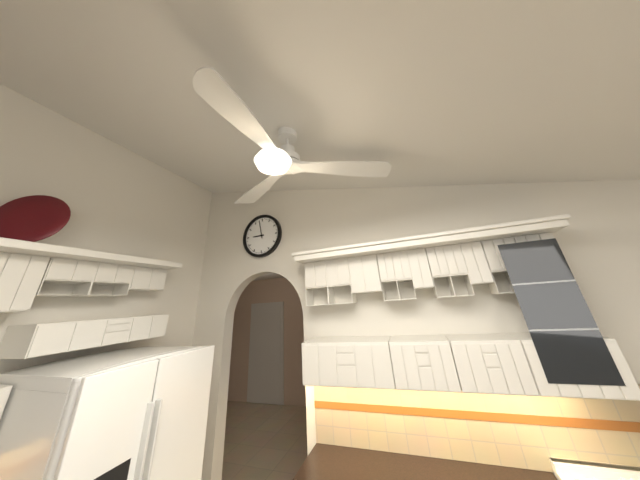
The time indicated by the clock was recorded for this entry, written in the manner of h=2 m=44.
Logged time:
h=8 m=58
